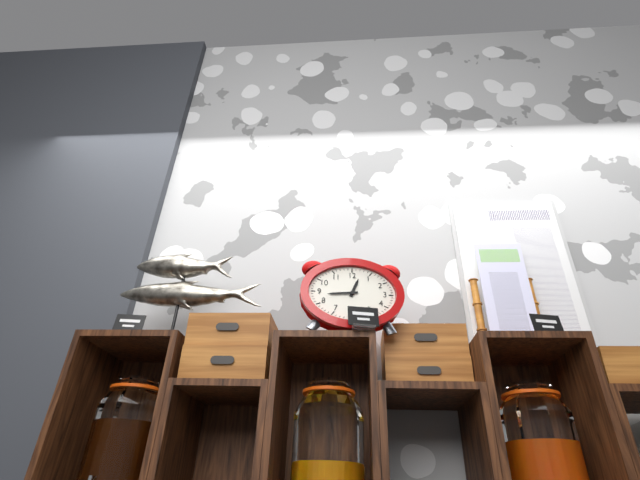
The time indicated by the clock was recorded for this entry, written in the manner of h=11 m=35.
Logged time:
h=12 m=44
